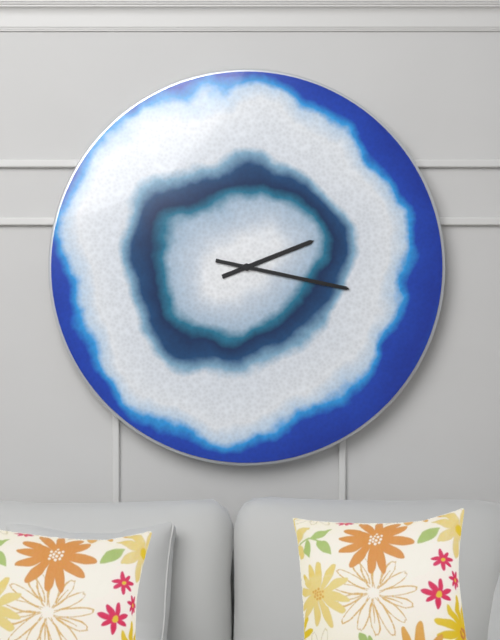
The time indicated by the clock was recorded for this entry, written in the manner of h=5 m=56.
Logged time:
h=2 m=17
